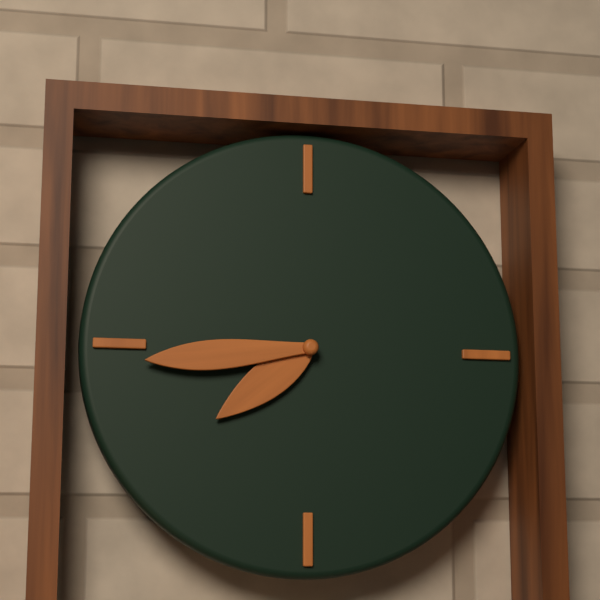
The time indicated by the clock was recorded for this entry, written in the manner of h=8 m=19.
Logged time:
h=7 m=44
